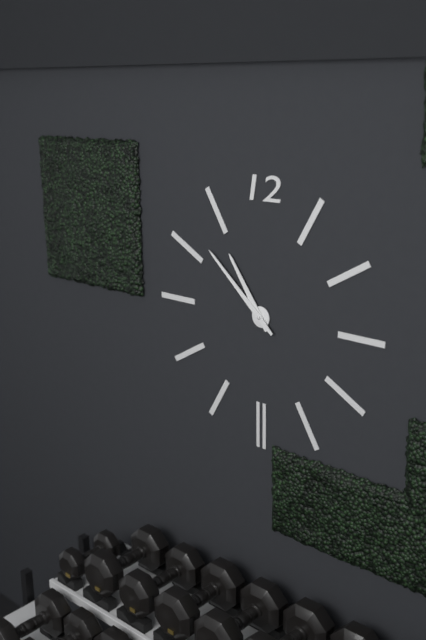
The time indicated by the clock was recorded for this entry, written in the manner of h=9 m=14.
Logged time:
h=10 m=52
